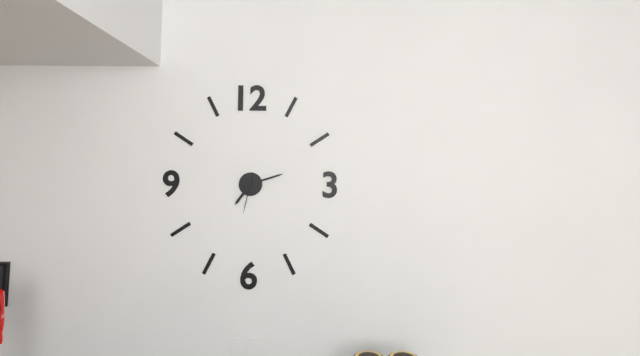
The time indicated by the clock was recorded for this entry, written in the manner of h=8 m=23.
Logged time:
h=7 m=12
